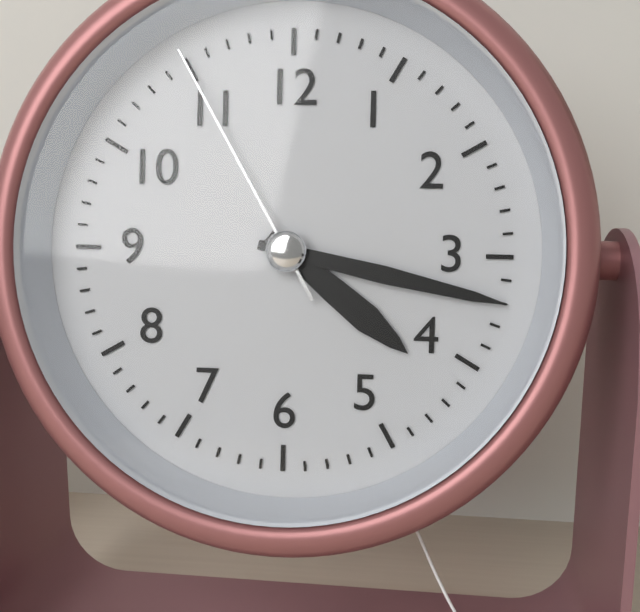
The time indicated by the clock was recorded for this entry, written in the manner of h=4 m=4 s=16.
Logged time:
h=4 m=17 s=55
